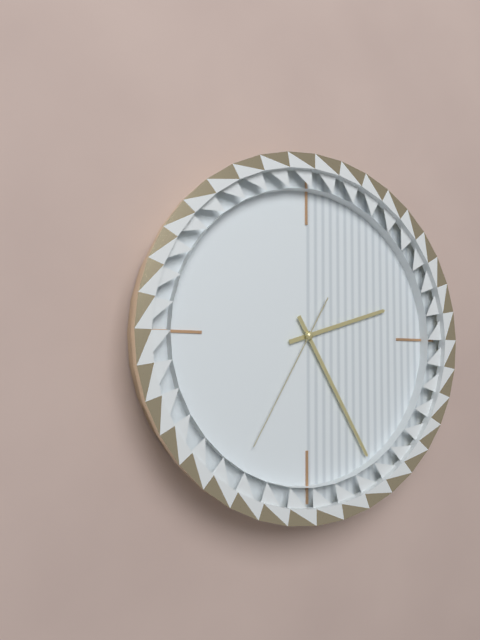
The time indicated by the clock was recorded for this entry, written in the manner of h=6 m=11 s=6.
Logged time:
h=2 m=25 s=35
